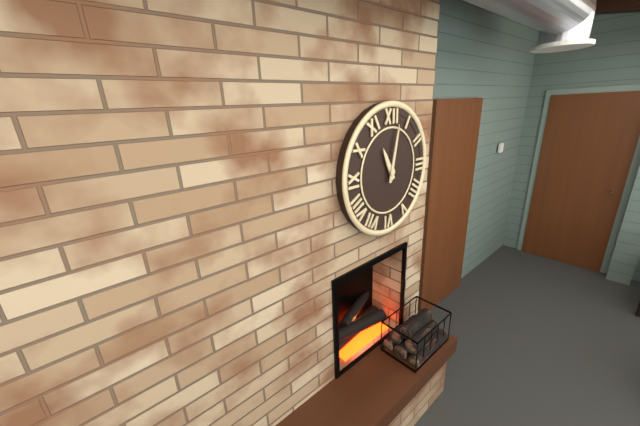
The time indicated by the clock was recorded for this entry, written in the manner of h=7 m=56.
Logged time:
h=11 m=2
